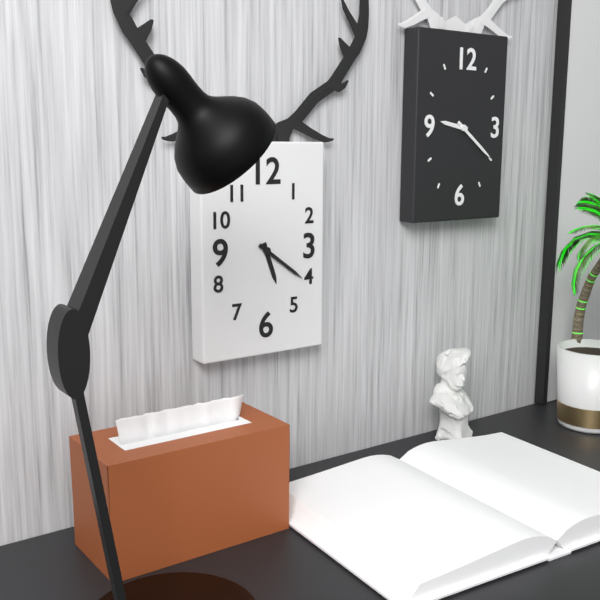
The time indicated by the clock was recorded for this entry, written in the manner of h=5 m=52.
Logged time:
h=5 m=21
